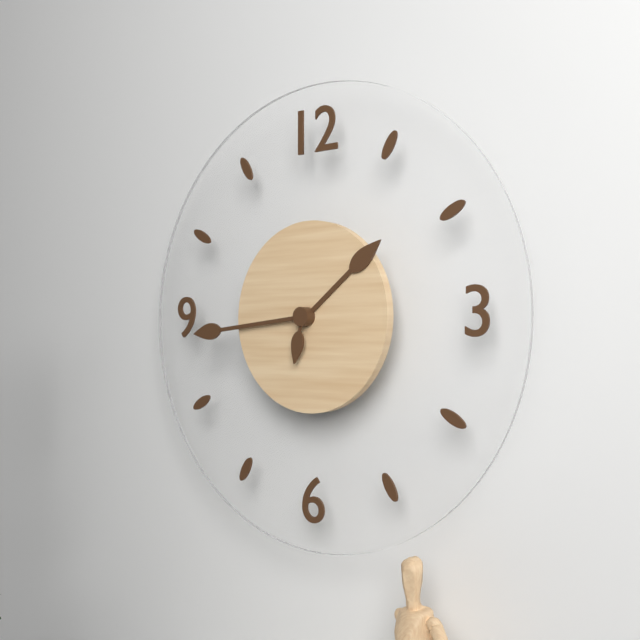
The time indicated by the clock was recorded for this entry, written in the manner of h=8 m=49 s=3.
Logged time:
h=1 m=44 s=32
